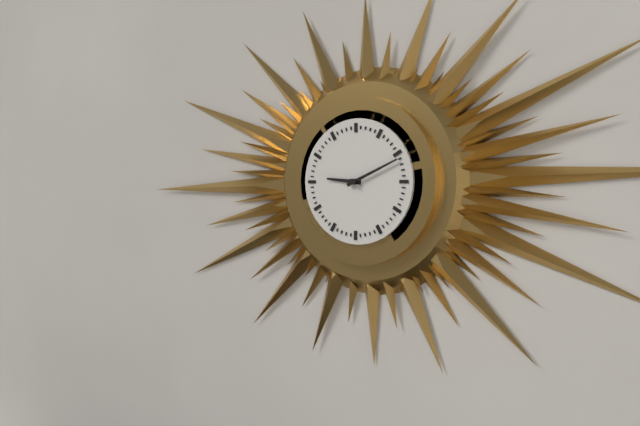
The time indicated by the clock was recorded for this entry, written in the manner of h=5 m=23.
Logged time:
h=9 m=11
